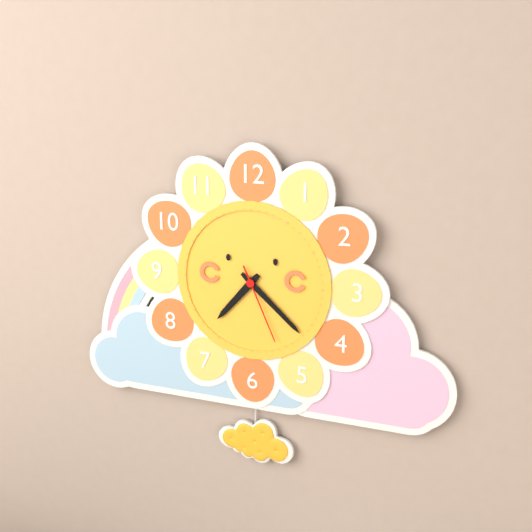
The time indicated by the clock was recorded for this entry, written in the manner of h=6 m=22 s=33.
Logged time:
h=7 m=22 s=26
